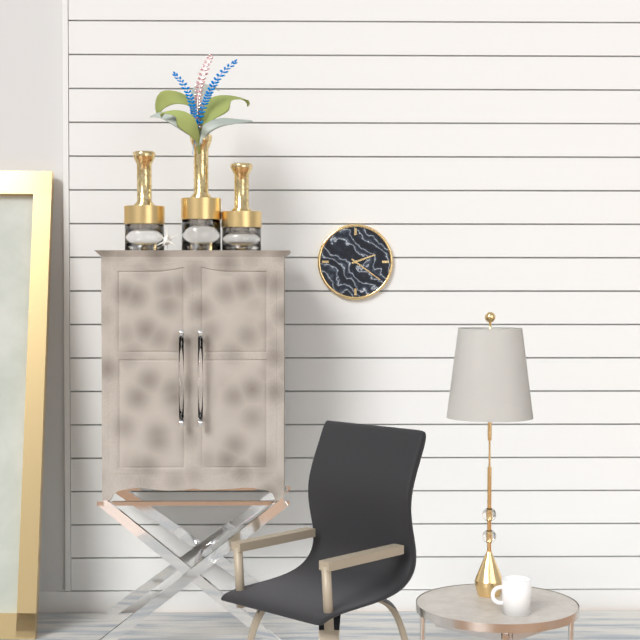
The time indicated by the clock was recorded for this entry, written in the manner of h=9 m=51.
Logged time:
h=2 m=21
